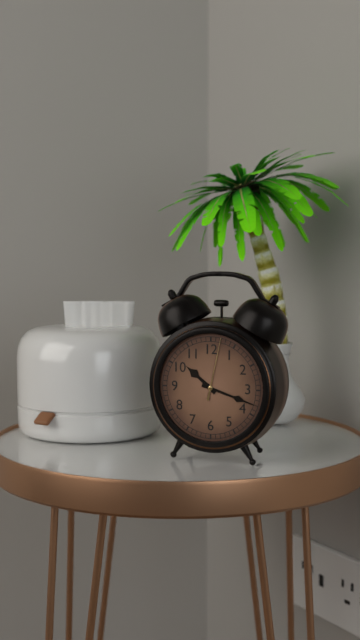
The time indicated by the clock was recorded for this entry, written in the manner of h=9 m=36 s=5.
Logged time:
h=10 m=18 s=2
